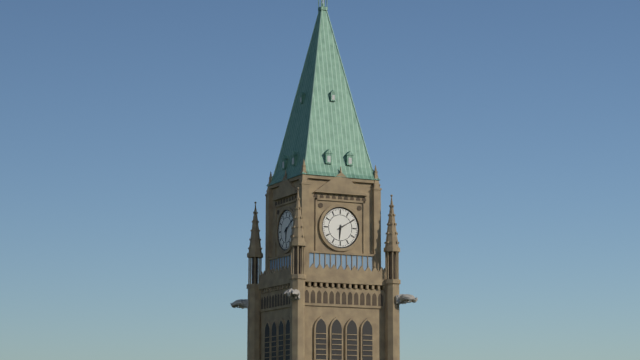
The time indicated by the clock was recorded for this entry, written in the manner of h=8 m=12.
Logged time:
h=6 m=10
